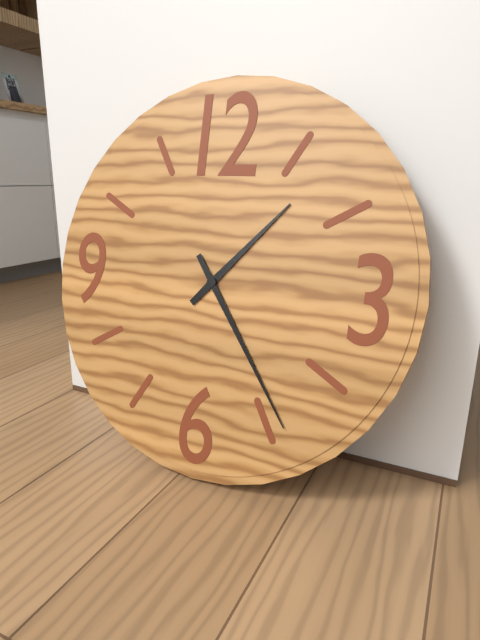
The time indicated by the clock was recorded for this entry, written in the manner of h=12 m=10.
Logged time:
h=1 m=24
